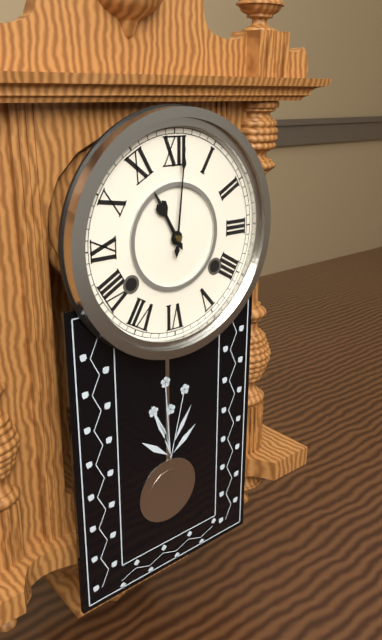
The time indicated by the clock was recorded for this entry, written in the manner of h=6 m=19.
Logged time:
h=11 m=1
